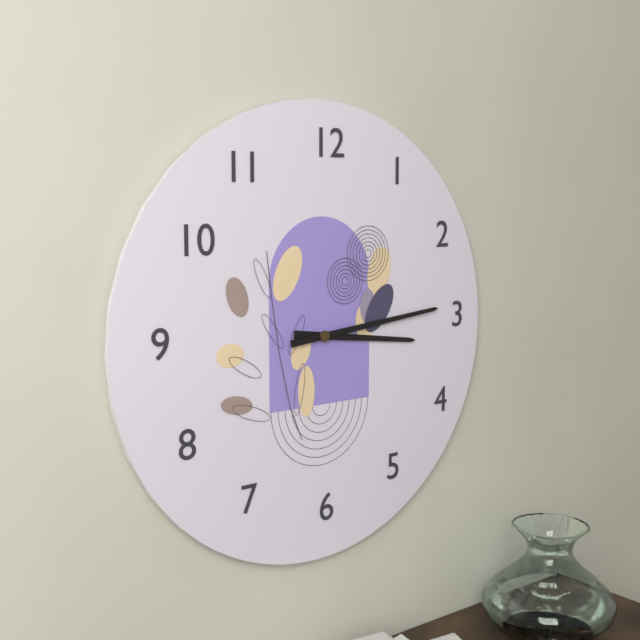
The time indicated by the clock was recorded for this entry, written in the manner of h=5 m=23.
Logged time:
h=3 m=14
